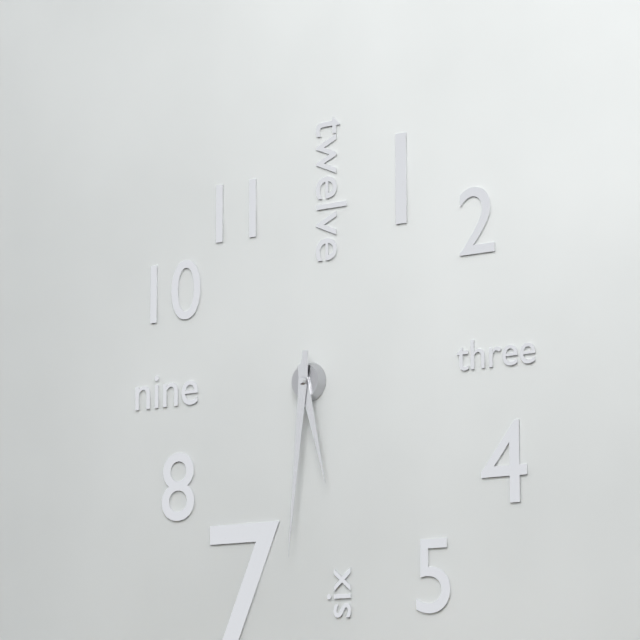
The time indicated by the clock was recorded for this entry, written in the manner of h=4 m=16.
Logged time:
h=5 m=31
